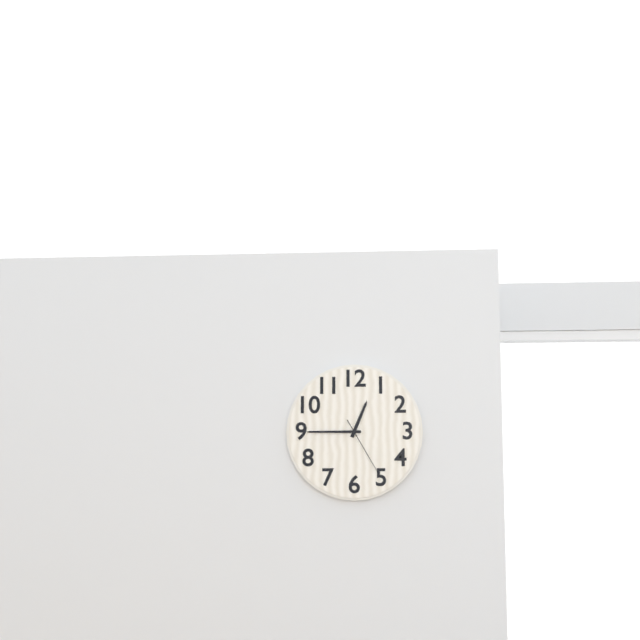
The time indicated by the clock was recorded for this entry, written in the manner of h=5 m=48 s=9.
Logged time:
h=12 m=45 s=25
